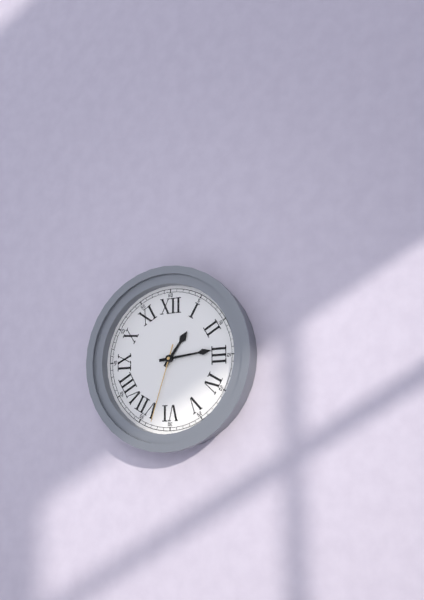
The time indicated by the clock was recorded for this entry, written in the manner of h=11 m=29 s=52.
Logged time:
h=1 m=14 s=33
